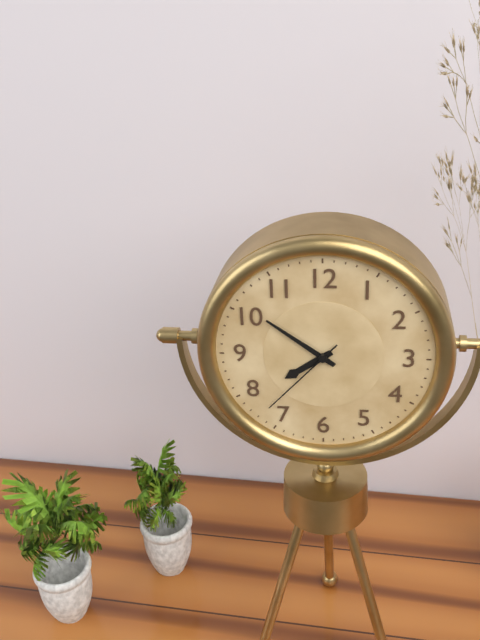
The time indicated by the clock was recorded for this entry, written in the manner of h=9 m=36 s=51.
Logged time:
h=7 m=51 s=37
